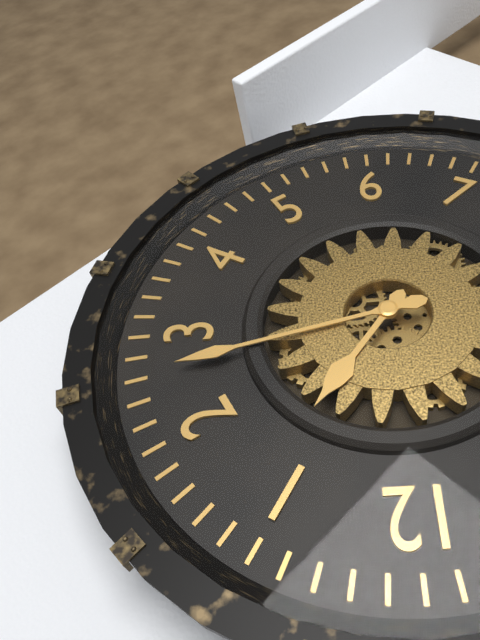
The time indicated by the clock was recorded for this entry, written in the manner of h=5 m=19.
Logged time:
h=1 m=13
